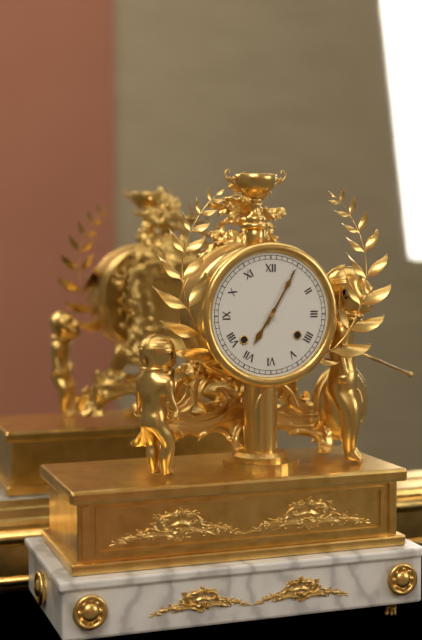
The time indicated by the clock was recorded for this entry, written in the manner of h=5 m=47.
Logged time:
h=7 m=5
